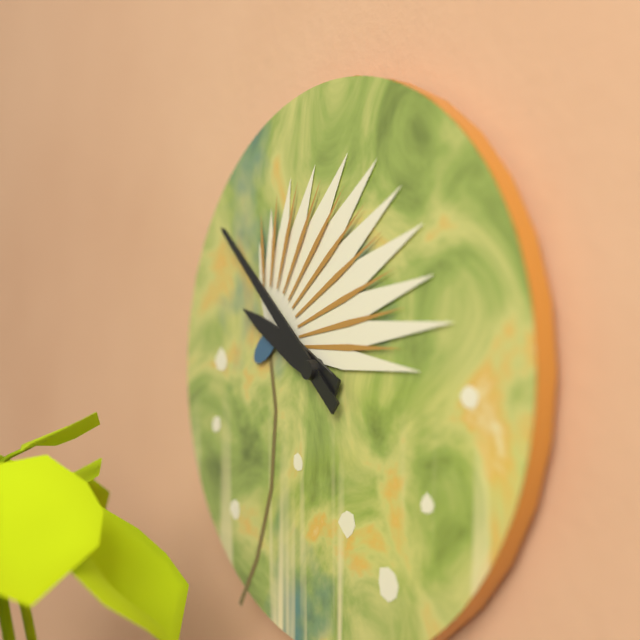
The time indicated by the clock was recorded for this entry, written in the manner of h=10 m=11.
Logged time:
h=9 m=52
